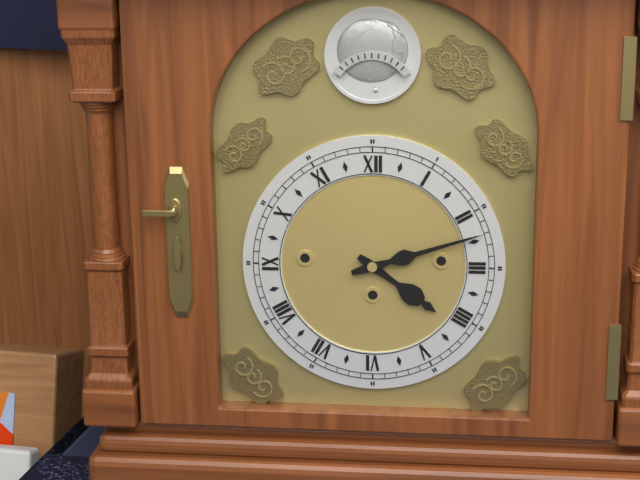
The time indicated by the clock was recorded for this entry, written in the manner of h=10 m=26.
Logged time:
h=4 m=12
